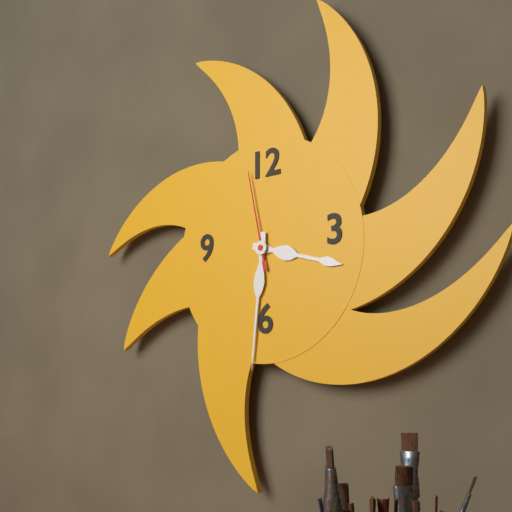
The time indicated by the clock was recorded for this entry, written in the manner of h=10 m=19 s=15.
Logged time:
h=3 m=31 s=58
